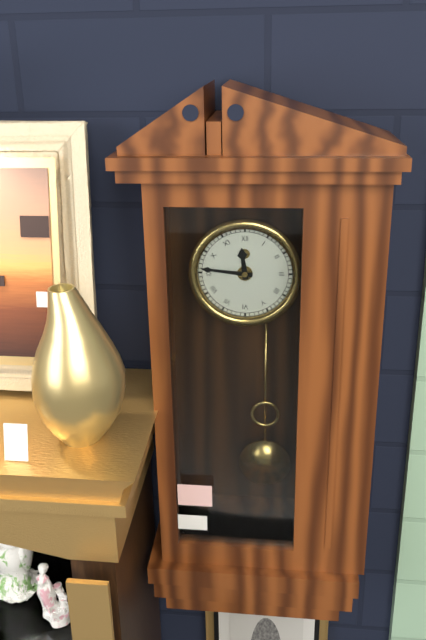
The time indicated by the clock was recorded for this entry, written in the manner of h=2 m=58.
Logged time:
h=11 m=46
